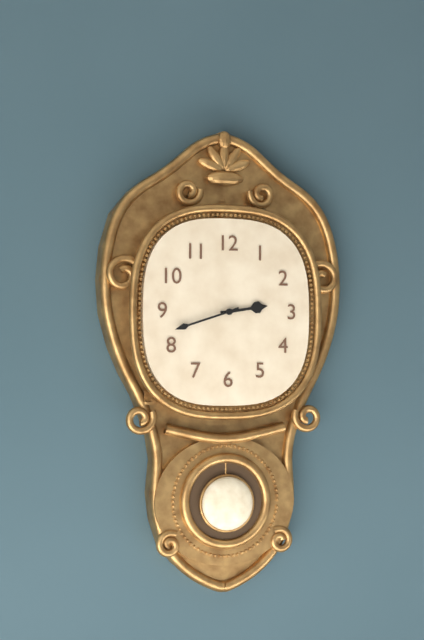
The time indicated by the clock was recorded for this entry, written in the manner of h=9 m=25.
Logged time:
h=2 m=42
